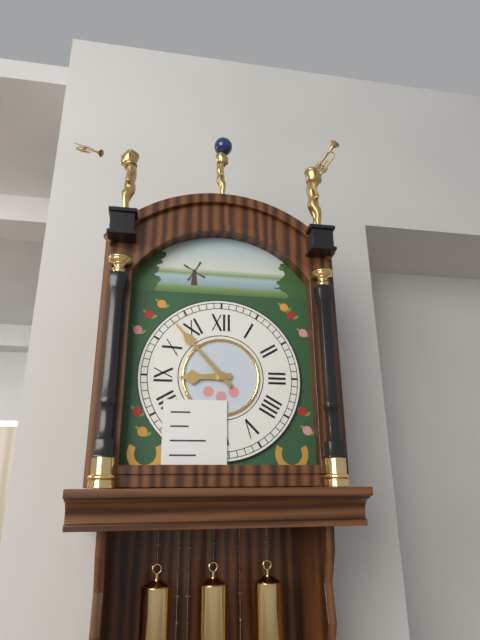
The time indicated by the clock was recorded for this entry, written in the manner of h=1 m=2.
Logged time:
h=8 m=53
